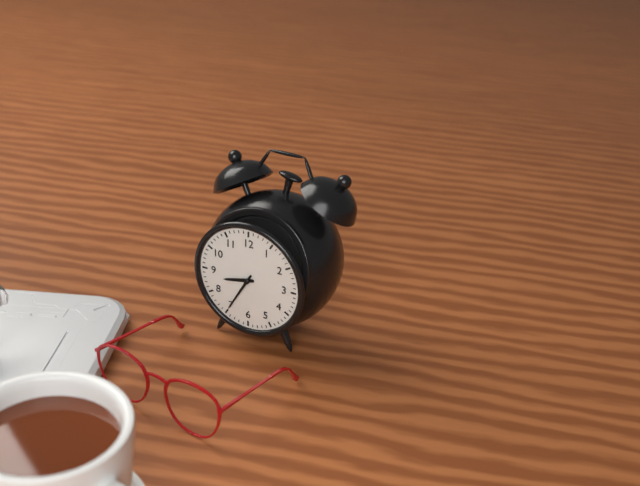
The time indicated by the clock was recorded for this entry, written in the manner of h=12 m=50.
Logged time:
h=8 m=35
